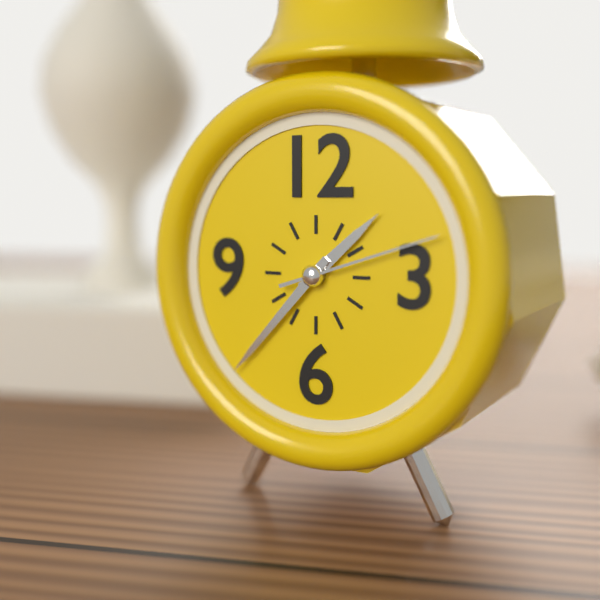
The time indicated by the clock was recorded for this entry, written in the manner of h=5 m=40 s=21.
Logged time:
h=1 m=37 s=12
